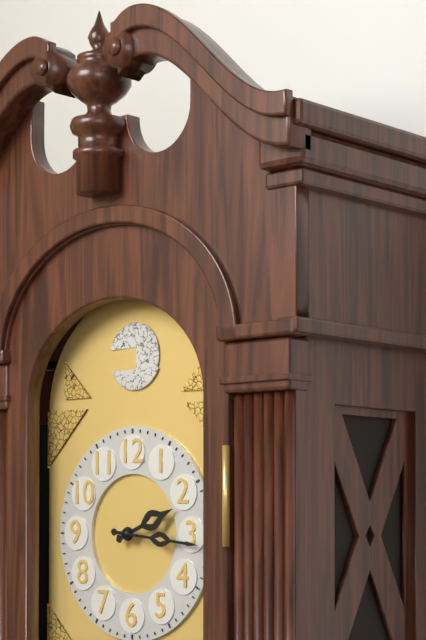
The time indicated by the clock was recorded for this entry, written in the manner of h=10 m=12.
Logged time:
h=2 m=16
